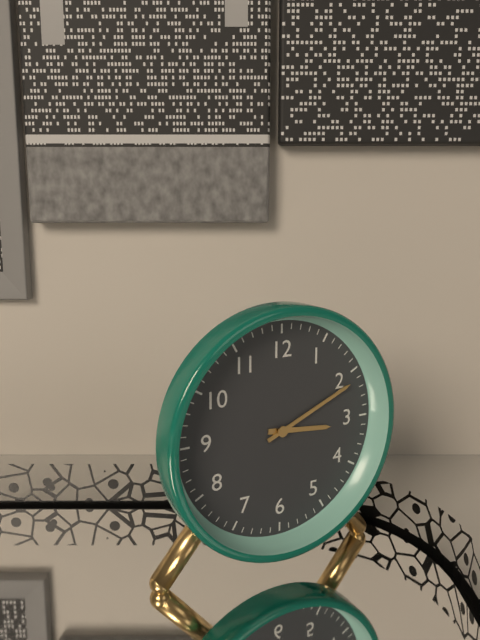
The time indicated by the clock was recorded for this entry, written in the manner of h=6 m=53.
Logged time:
h=3 m=11
